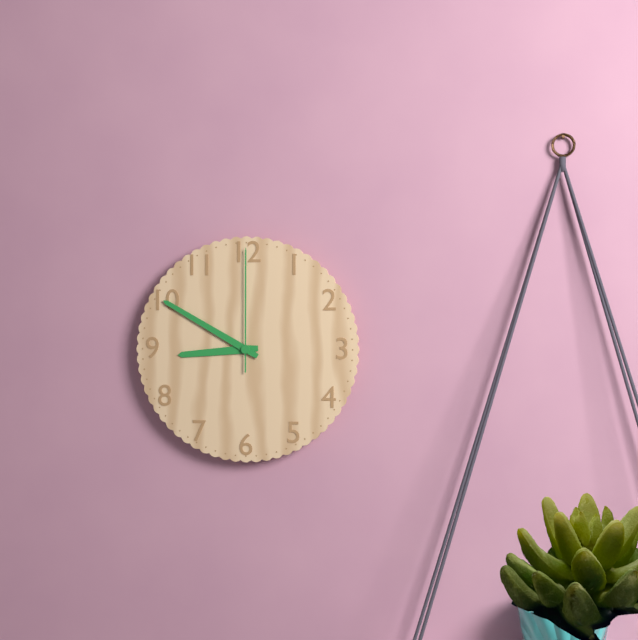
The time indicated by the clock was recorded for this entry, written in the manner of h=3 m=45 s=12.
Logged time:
h=8 m=50 s=0
